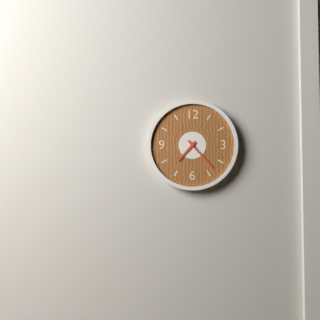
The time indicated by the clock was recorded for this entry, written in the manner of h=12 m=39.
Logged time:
h=7 m=23
